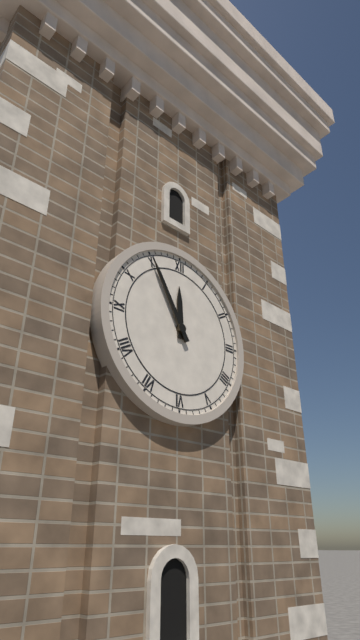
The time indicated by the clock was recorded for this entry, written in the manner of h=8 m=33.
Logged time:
h=11 m=55
